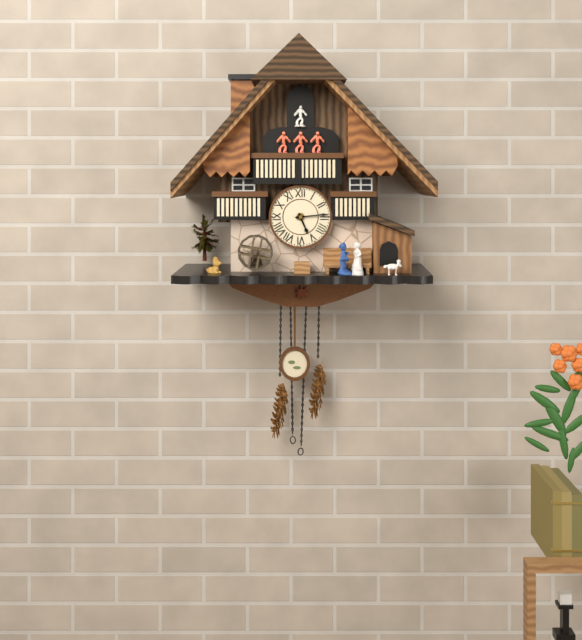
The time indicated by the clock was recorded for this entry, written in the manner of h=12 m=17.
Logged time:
h=5 m=14
